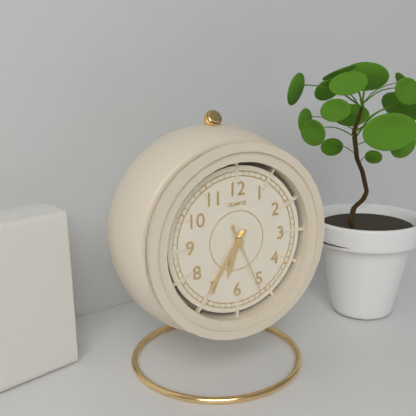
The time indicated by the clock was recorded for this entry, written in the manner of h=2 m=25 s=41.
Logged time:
h=6 m=36 s=26
